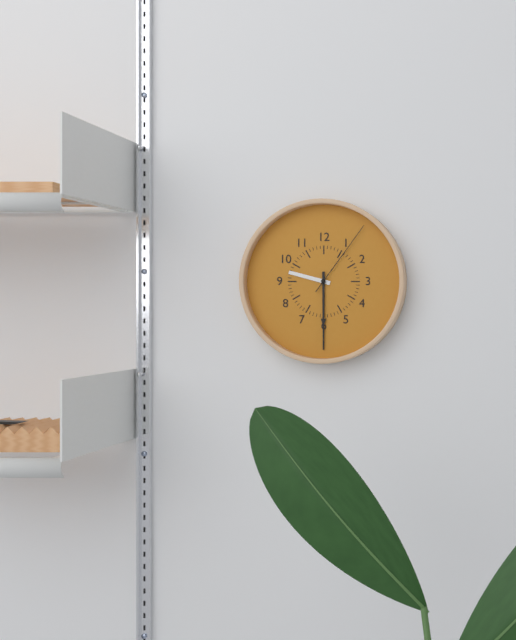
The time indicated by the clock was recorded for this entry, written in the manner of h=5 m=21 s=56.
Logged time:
h=9 m=30 s=6
